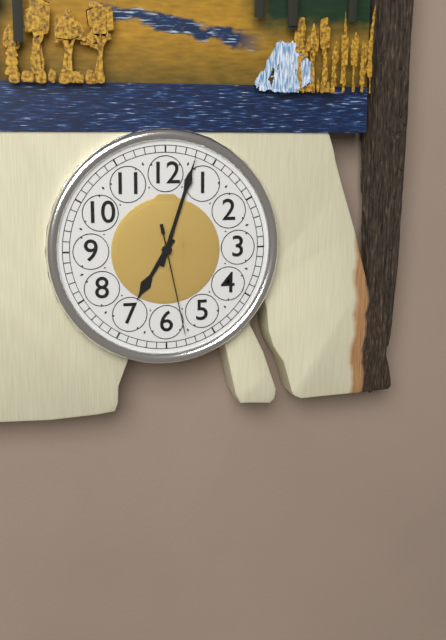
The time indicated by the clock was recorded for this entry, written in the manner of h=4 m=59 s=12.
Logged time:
h=7 m=3 s=28
